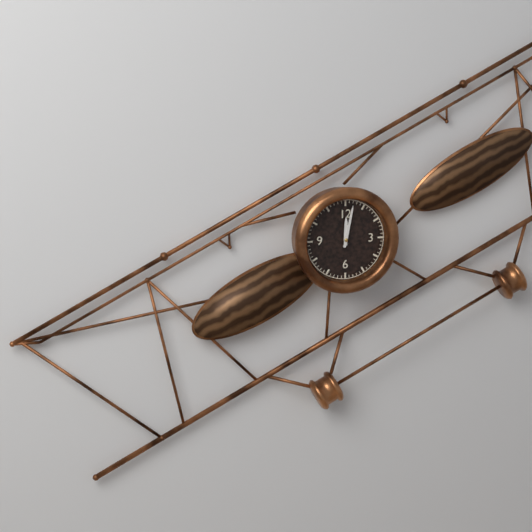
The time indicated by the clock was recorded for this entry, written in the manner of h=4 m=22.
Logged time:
h=12 m=2
